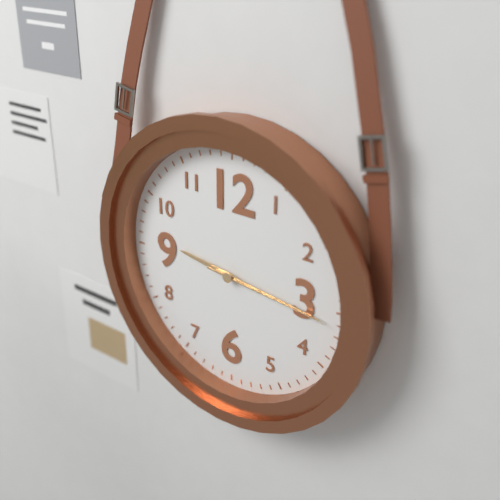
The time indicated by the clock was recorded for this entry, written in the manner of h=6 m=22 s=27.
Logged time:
h=9 m=16 s=16
